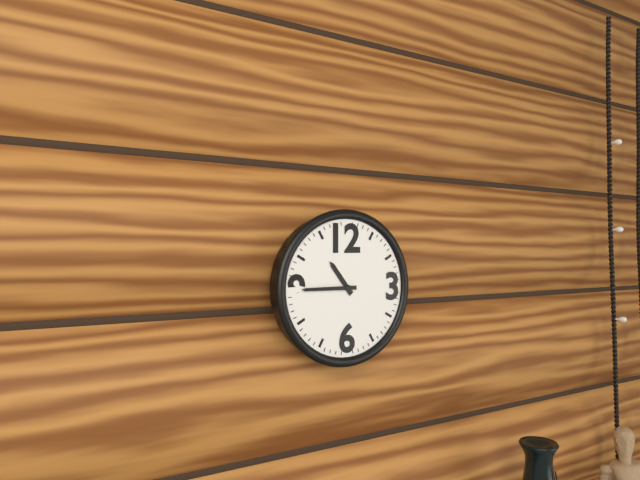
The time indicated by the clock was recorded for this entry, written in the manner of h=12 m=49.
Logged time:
h=10 m=45
